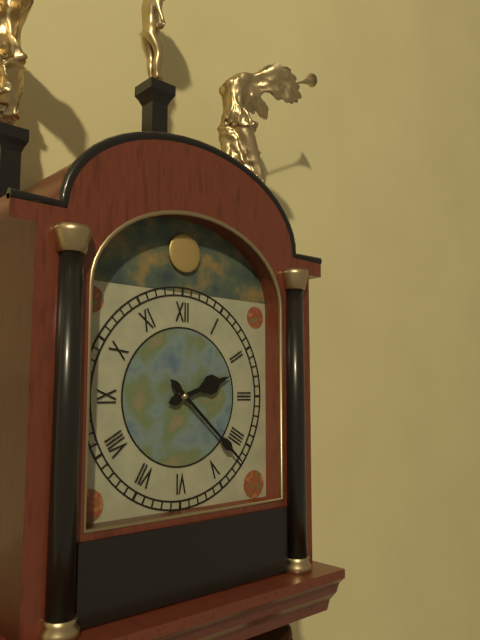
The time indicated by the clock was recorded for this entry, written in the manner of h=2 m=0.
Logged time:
h=2 m=22
